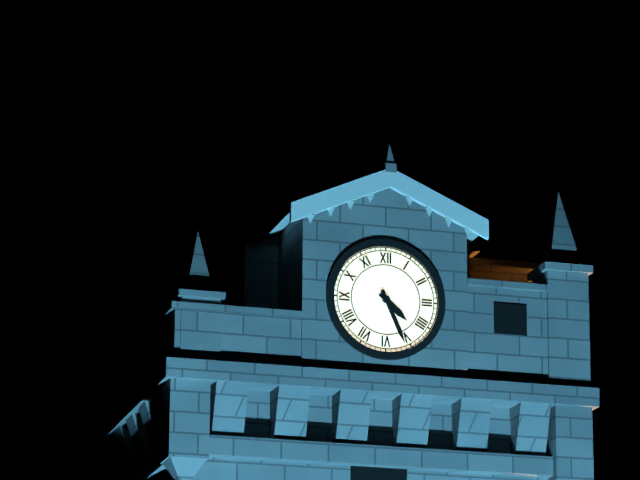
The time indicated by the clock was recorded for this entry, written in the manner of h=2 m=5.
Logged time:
h=4 m=26
